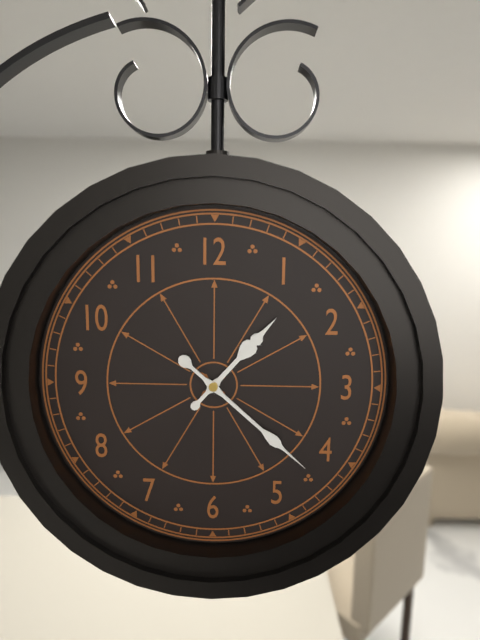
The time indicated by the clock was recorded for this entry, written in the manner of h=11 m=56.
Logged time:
h=1 m=22
